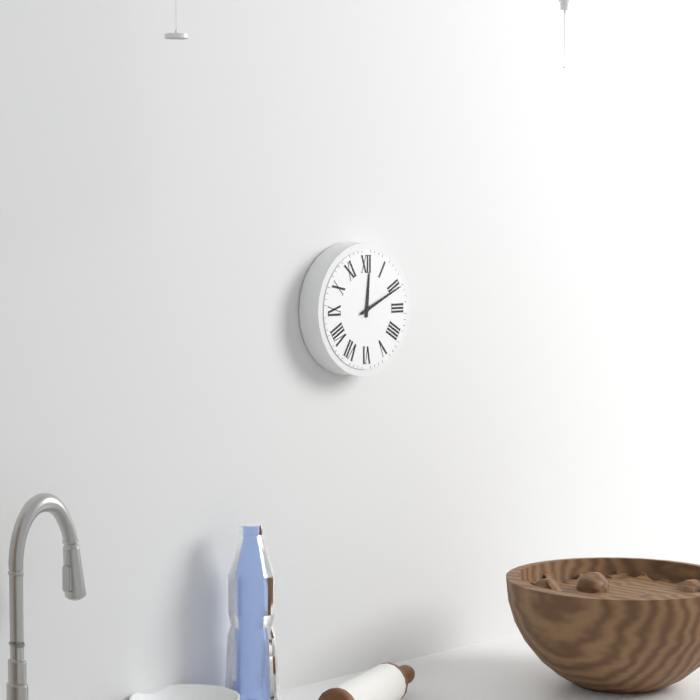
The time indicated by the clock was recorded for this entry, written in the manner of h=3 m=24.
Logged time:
h=12 m=11
